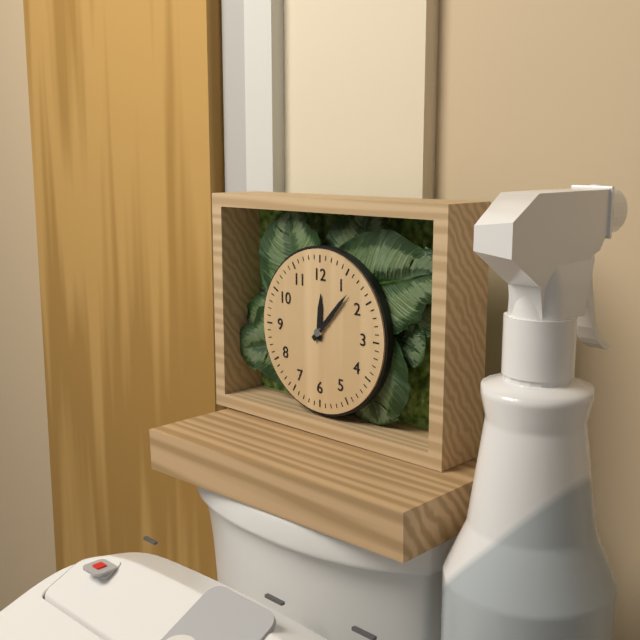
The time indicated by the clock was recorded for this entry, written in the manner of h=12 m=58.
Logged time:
h=12 m=7
